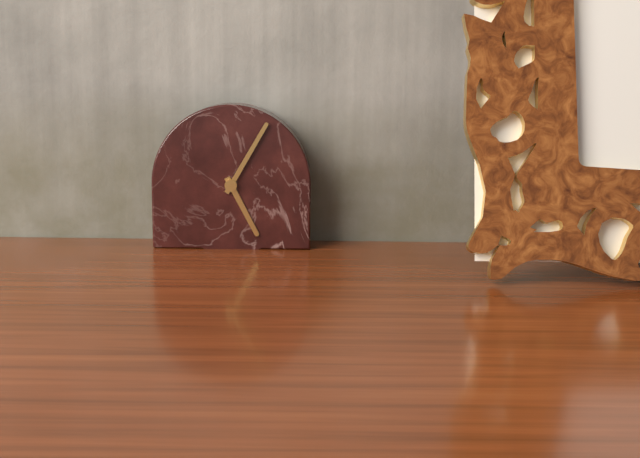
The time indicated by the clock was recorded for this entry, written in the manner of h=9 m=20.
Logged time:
h=5 m=5
